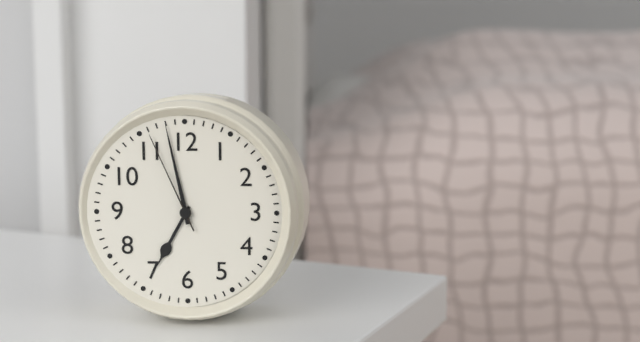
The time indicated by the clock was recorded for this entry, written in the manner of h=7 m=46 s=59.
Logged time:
h=6 m=58 s=56
